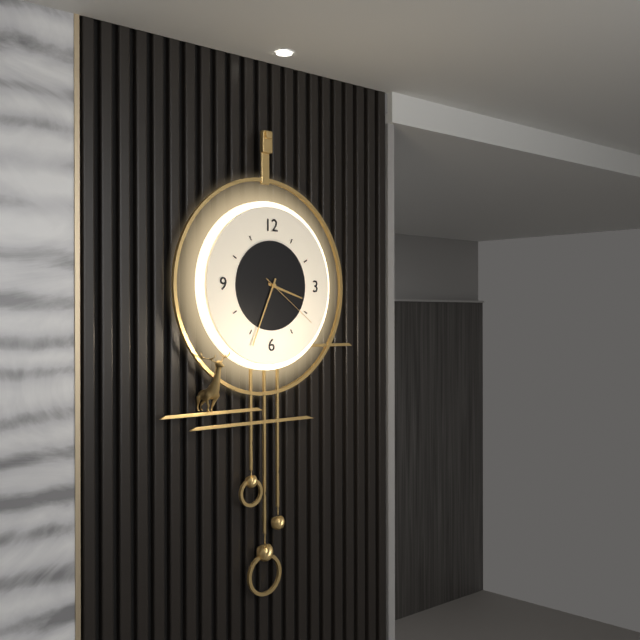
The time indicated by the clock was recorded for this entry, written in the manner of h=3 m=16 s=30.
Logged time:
h=3 m=34 s=21
